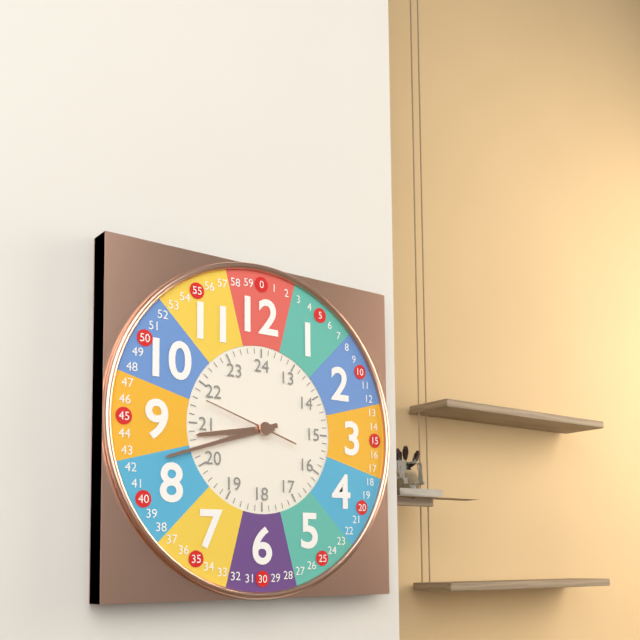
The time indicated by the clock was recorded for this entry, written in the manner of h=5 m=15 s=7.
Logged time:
h=8 m=42 s=48
